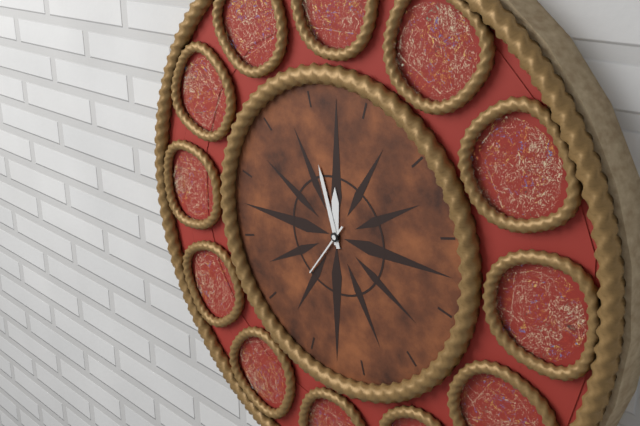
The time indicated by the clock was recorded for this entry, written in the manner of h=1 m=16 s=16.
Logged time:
h=11 m=57 s=36
